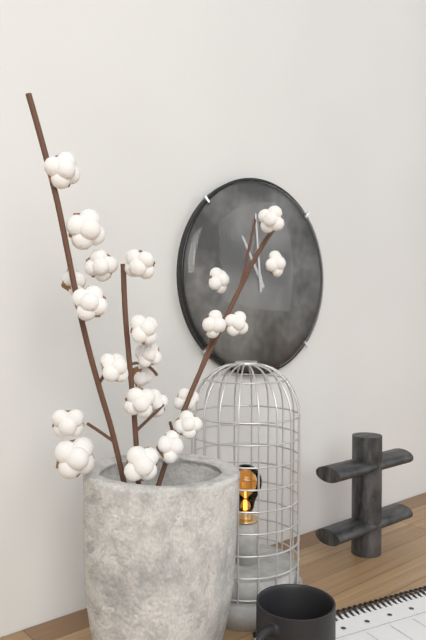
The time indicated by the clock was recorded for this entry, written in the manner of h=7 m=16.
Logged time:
h=10 m=59
